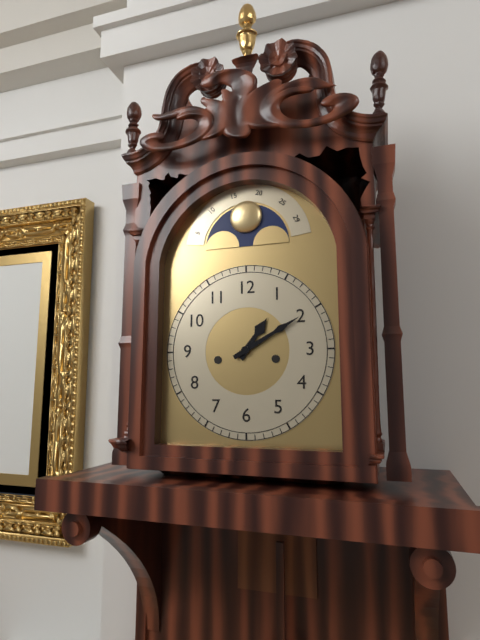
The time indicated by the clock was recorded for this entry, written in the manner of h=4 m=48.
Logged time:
h=1 m=10
